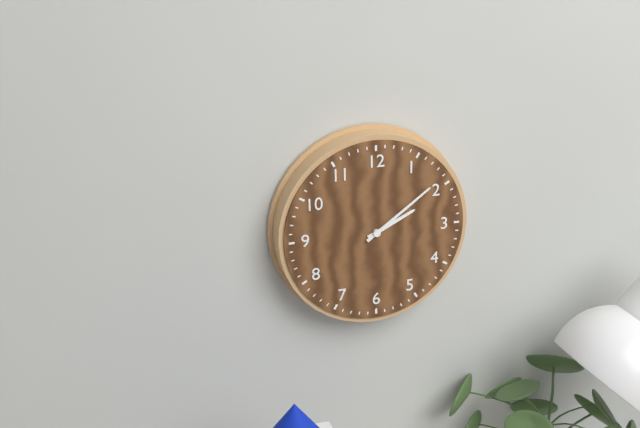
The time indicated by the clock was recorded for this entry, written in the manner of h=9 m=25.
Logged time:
h=2 m=9
